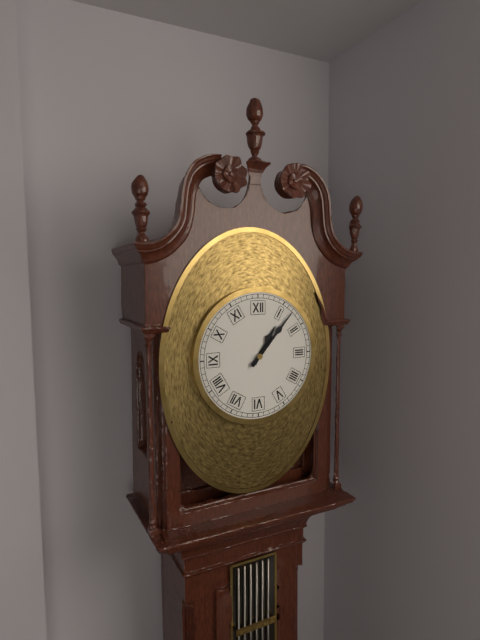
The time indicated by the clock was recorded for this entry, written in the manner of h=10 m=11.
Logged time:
h=1 m=7
